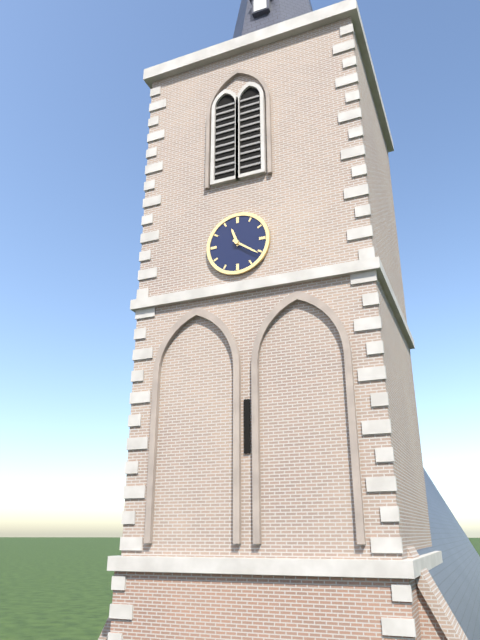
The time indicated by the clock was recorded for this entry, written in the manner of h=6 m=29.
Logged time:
h=11 m=21
